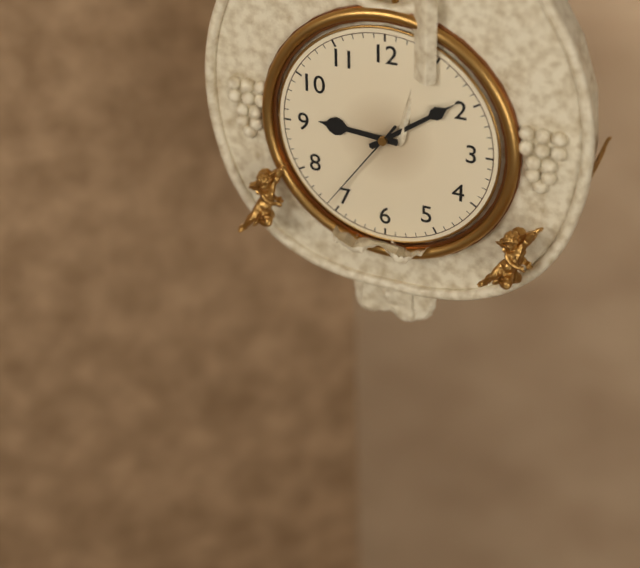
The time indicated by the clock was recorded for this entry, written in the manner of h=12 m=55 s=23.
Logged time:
h=9 m=9 s=36
